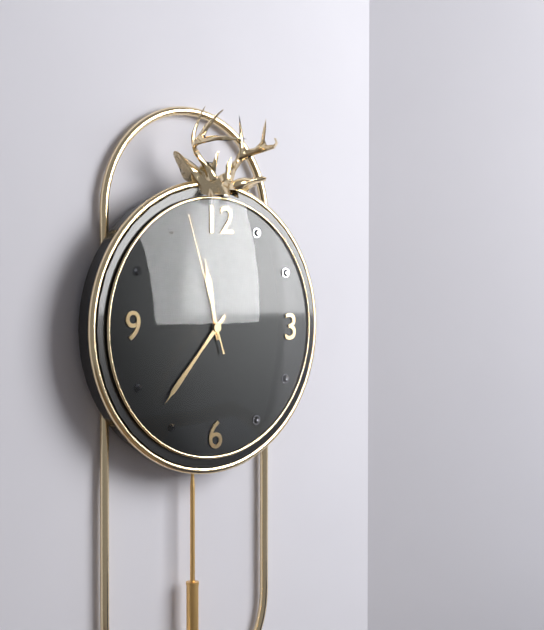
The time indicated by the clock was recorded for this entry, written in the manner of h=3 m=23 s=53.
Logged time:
h=11 m=37 s=57
